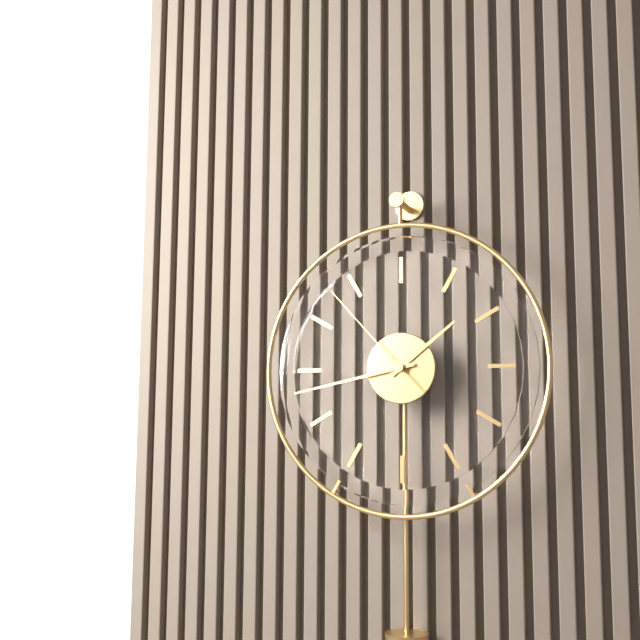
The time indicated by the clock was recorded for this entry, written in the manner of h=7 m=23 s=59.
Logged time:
h=1 m=43 s=53
